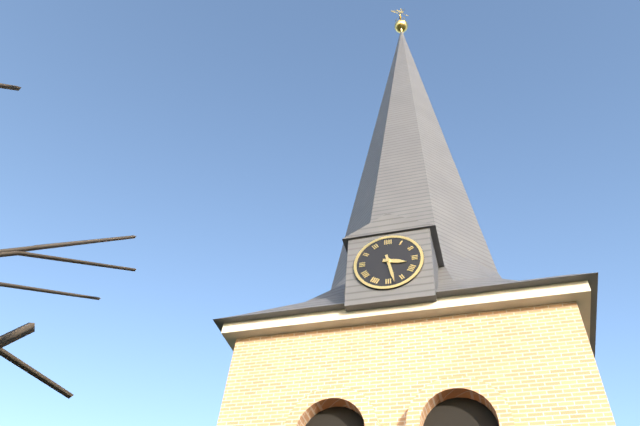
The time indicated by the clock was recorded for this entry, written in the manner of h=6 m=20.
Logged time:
h=3 m=28
